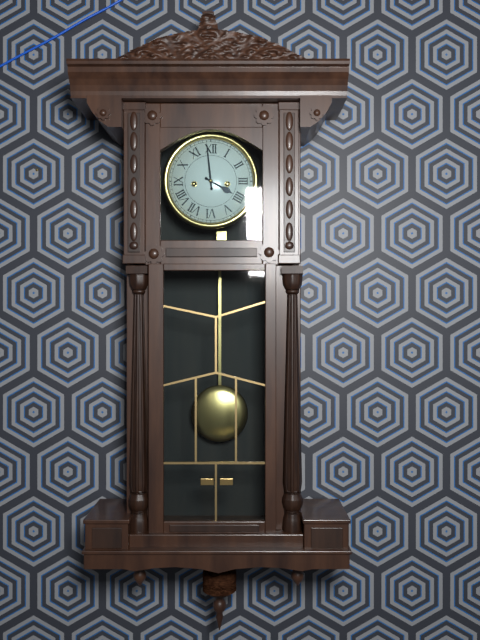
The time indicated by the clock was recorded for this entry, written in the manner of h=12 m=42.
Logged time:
h=3 m=59
